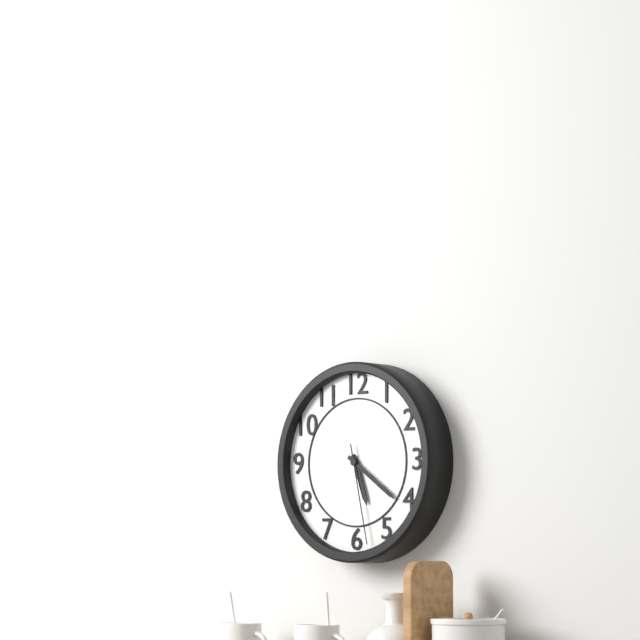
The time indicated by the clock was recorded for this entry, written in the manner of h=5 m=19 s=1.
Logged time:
h=5 m=21 s=28
